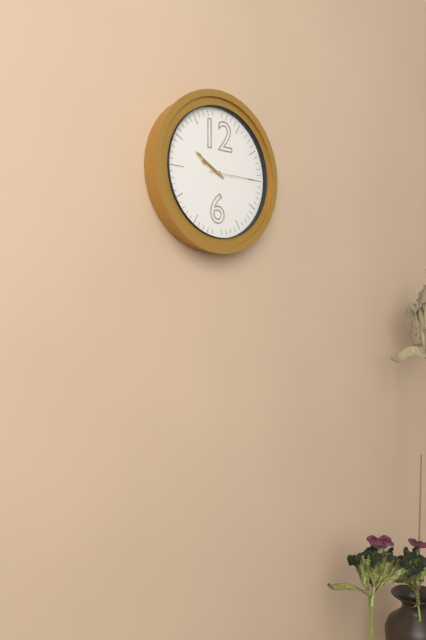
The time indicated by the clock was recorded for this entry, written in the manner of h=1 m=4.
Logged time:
h=9 m=50
